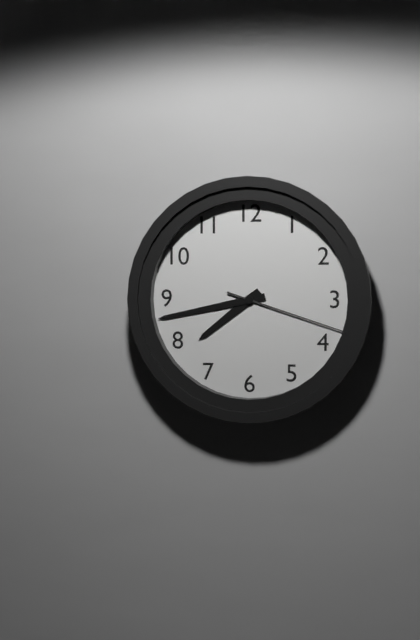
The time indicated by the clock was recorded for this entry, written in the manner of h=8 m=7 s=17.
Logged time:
h=7 m=43 s=18
